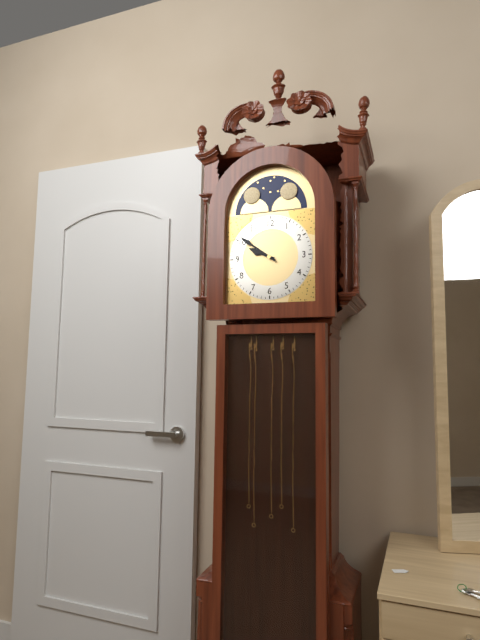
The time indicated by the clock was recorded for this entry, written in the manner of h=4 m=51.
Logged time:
h=9 m=51
